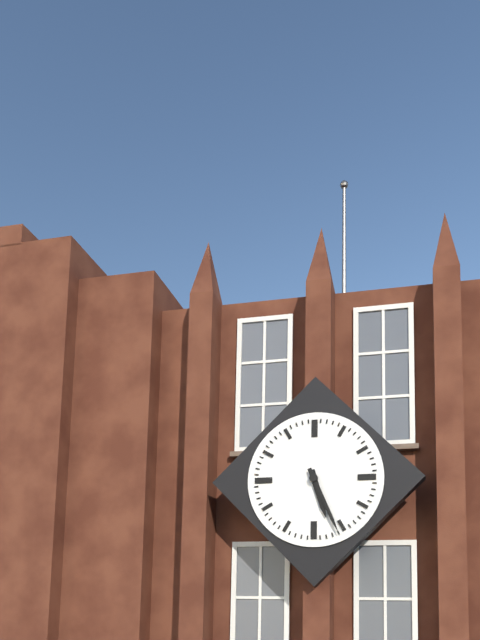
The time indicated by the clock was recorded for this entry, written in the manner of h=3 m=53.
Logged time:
h=5 m=26
